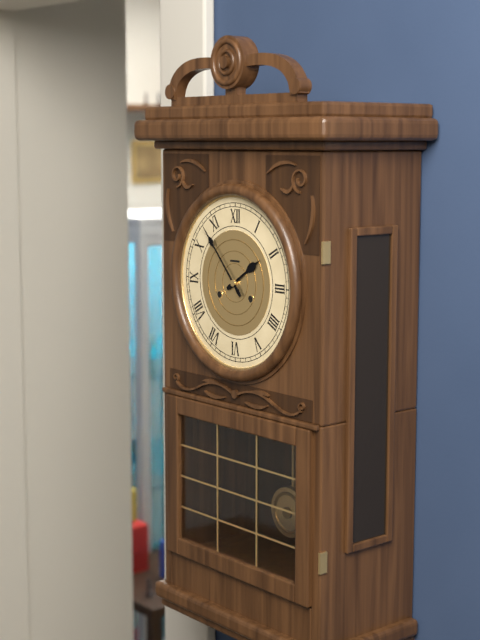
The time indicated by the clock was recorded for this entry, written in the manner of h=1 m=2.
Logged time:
h=1 m=53
